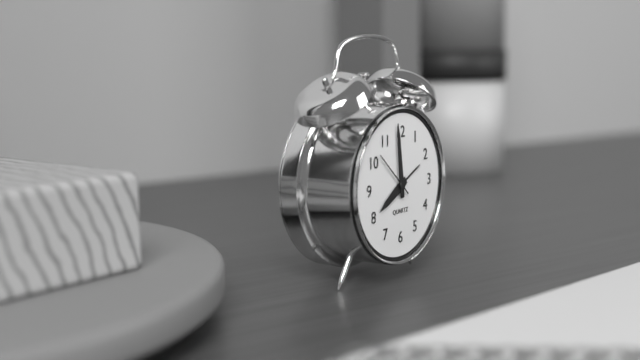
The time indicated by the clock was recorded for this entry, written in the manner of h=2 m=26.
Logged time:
h=7 m=59
